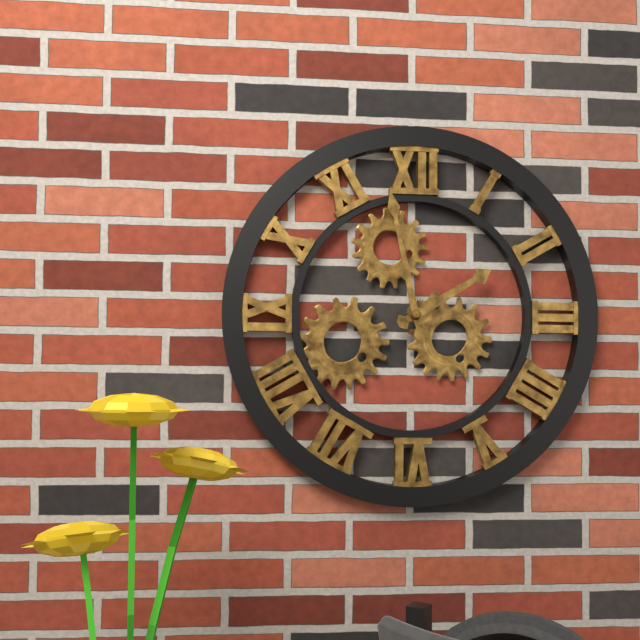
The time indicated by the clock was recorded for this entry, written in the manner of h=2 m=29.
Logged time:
h=1 m=58
